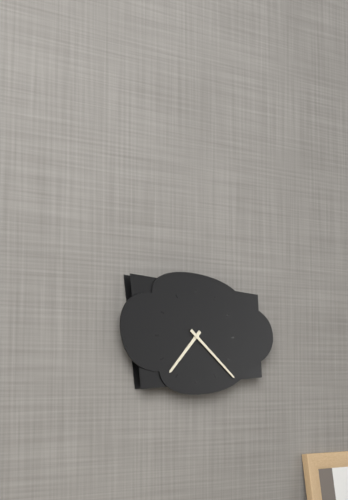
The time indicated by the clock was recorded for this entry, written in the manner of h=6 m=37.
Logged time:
h=7 m=22
